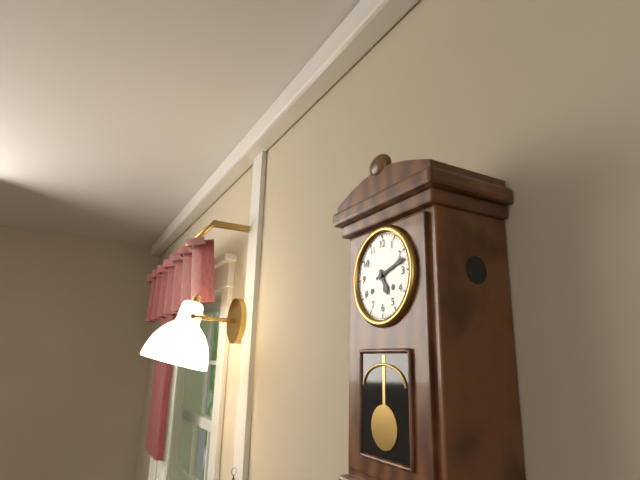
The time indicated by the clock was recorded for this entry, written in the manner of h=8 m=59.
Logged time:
h=5 m=12
